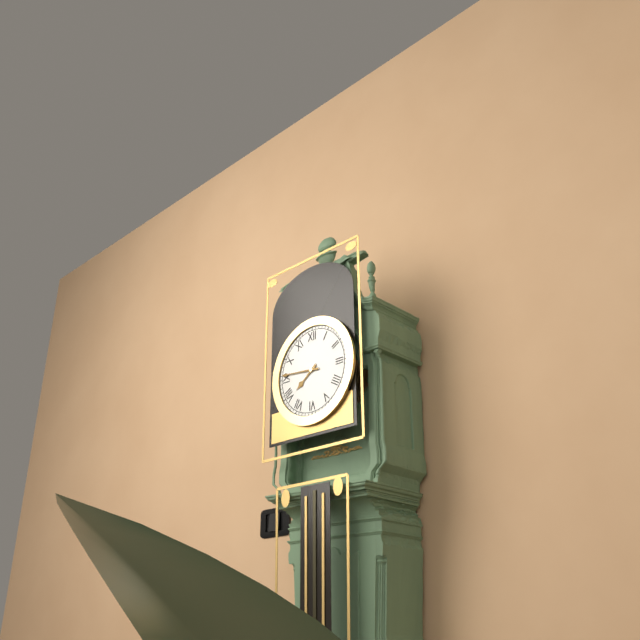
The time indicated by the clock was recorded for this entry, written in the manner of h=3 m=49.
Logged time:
h=7 m=46
